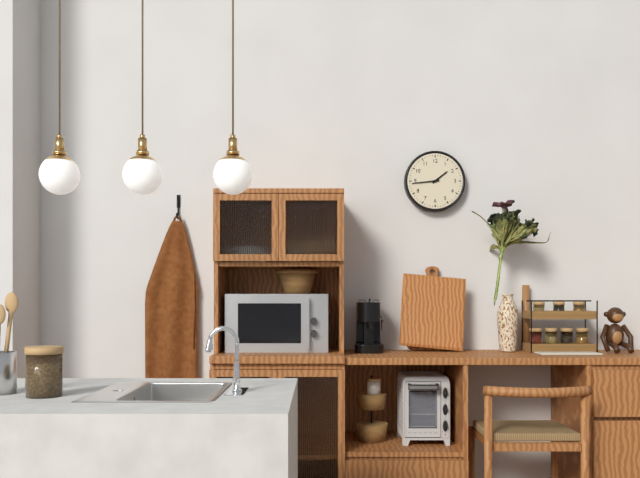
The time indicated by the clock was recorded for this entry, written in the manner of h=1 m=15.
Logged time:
h=1 m=44
